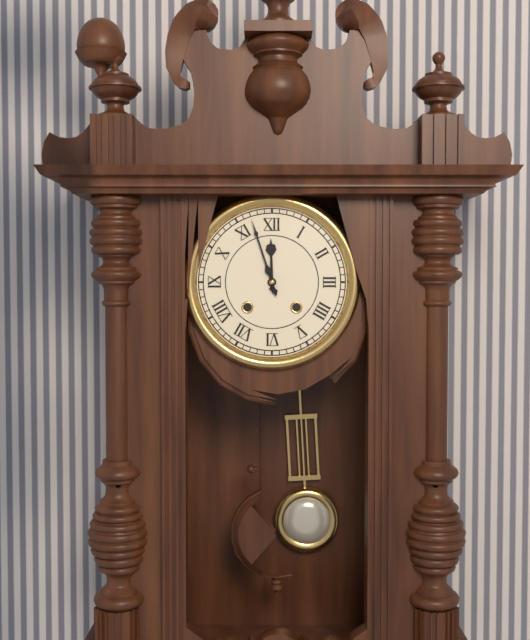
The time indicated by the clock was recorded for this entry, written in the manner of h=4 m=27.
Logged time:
h=11 m=57
